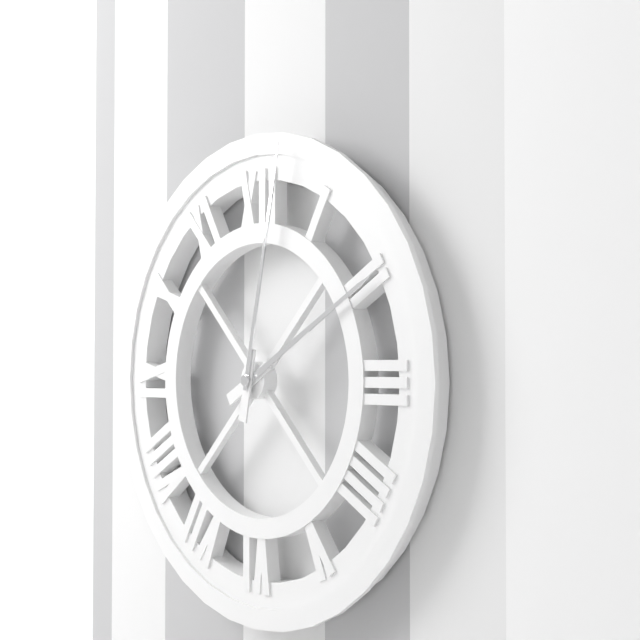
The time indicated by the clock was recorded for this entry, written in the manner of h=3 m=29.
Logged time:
h=2 m=2
